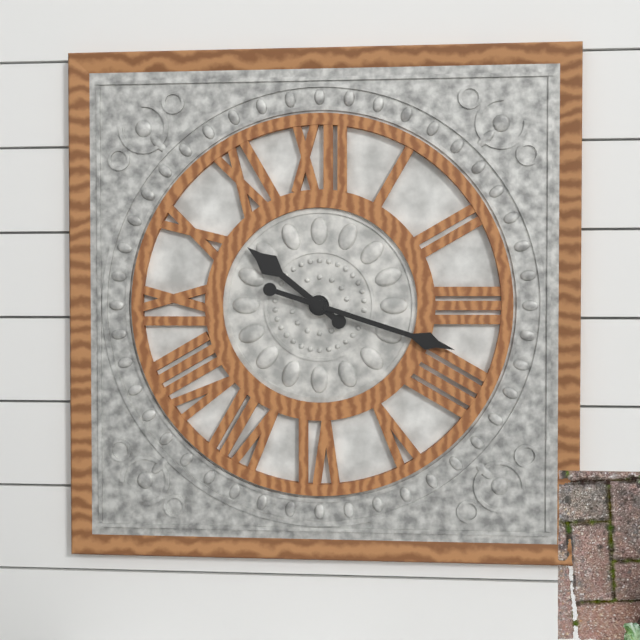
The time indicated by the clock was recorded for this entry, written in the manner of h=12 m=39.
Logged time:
h=10 m=18
